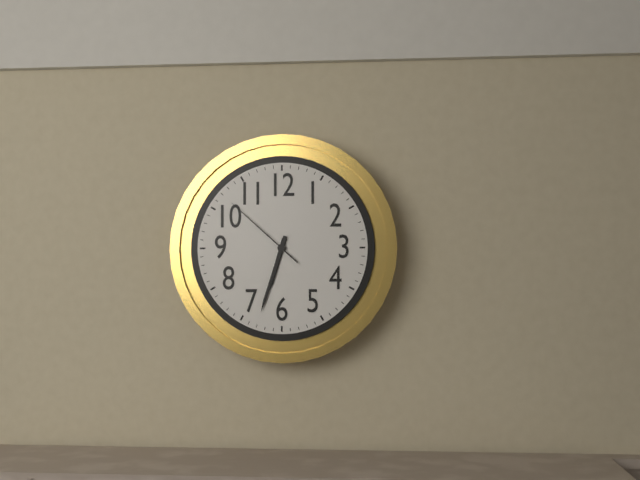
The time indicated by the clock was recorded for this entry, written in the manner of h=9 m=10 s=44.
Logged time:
h=6 m=33 s=52
